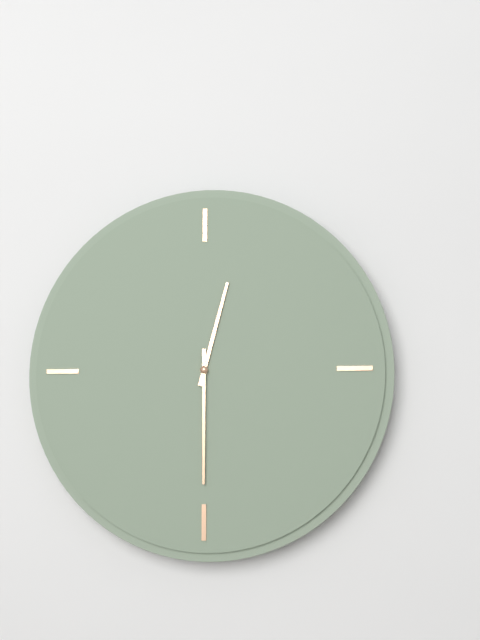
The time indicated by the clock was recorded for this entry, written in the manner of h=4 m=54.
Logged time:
h=12 m=30
